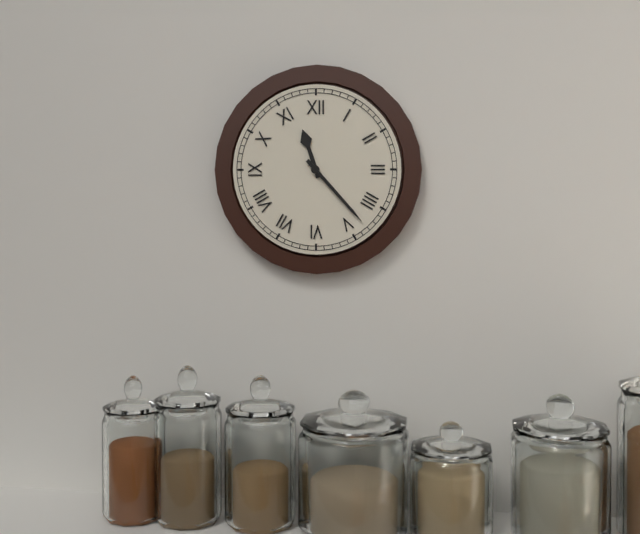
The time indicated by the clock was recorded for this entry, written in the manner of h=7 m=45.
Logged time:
h=11 m=23
